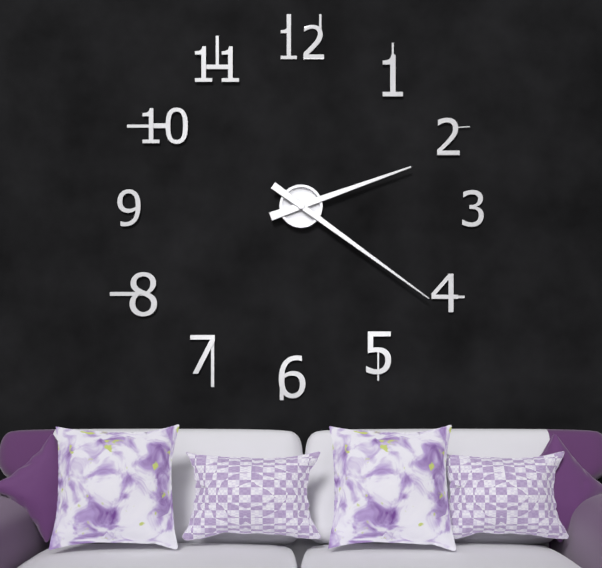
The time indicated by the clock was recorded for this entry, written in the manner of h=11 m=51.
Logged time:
h=2 m=21
